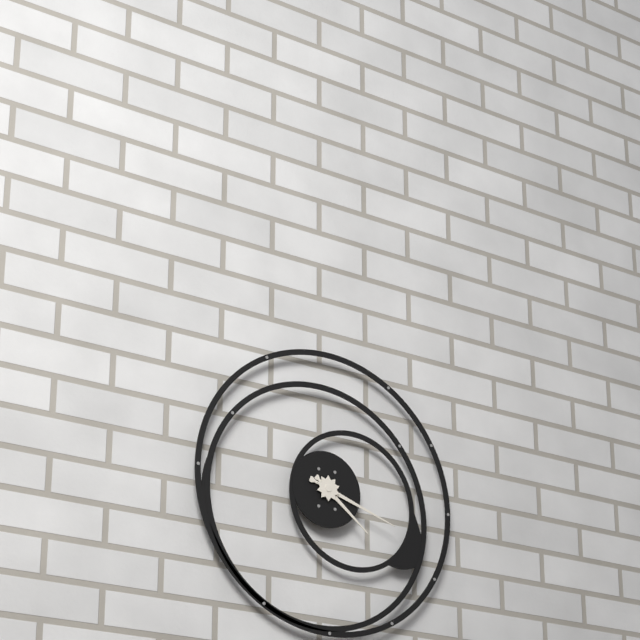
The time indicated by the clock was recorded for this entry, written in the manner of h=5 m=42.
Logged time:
h=4 m=18
